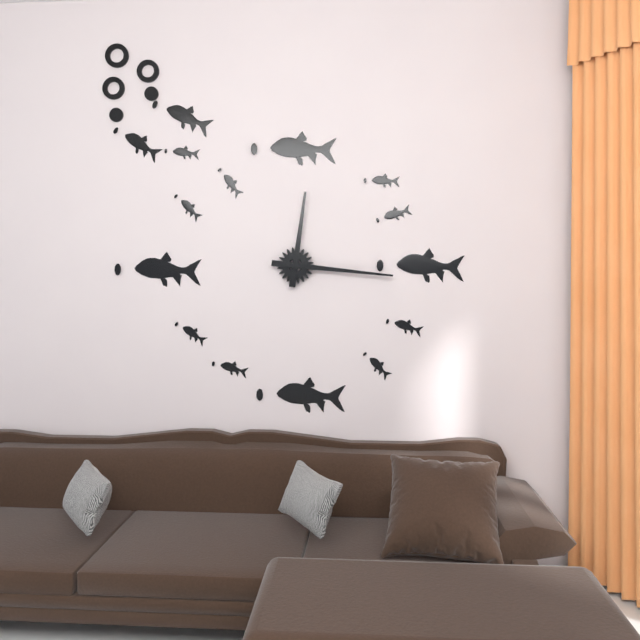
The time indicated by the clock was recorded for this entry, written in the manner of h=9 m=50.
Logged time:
h=12 m=16
